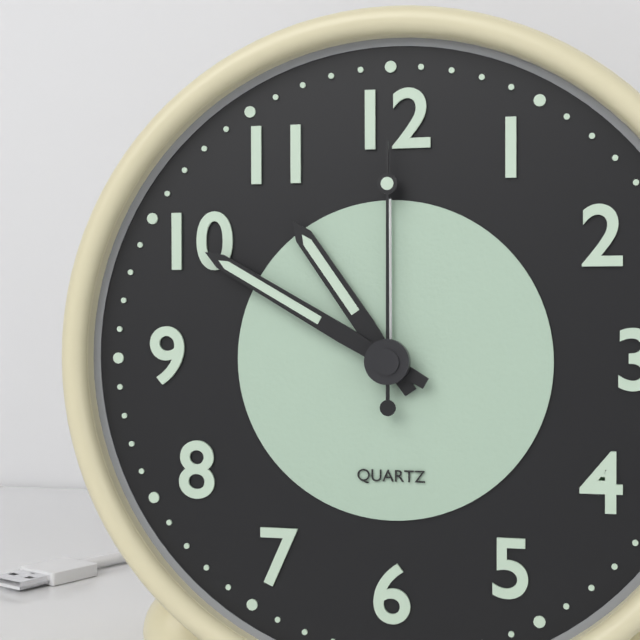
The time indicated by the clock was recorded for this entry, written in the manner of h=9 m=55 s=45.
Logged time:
h=10 m=50 s=0
